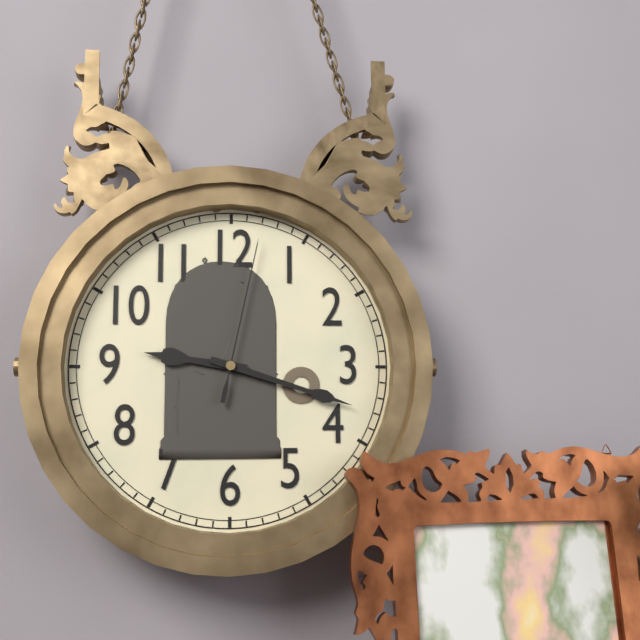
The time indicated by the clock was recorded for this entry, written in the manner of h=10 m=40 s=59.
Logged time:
h=9 m=18 s=2
